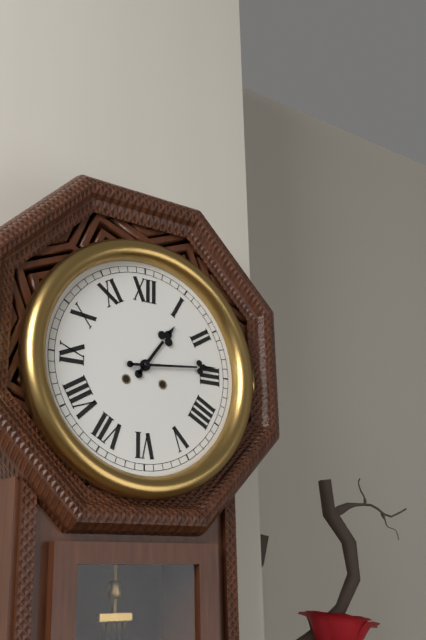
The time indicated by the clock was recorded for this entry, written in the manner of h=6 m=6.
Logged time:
h=1 m=14
